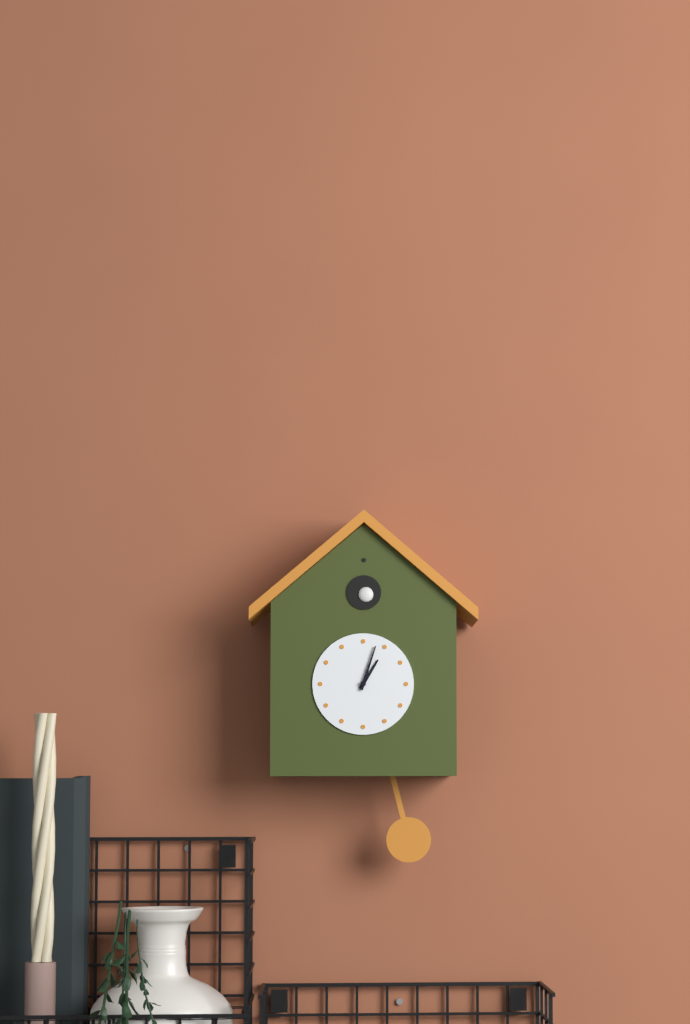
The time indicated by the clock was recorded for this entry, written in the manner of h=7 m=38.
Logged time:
h=1 m=3
